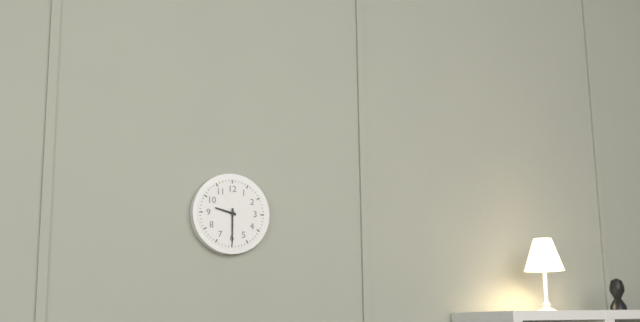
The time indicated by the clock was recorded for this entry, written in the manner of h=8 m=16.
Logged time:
h=9 m=30
